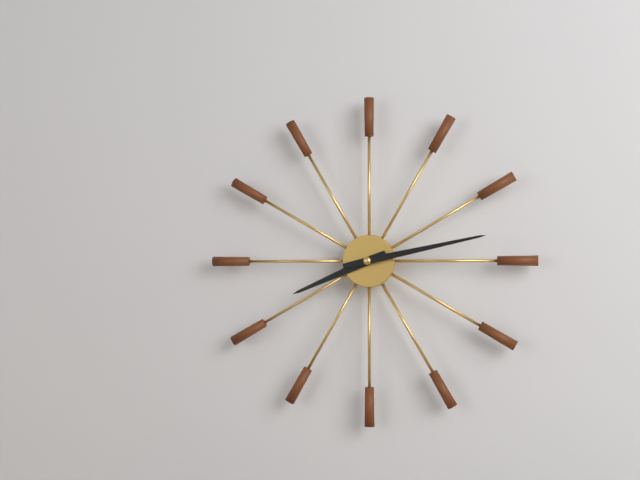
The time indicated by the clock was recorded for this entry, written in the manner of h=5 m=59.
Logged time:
h=8 m=13
